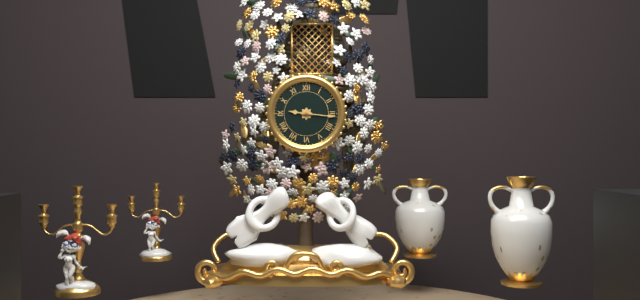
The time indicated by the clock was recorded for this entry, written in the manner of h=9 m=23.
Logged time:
h=9 m=16
